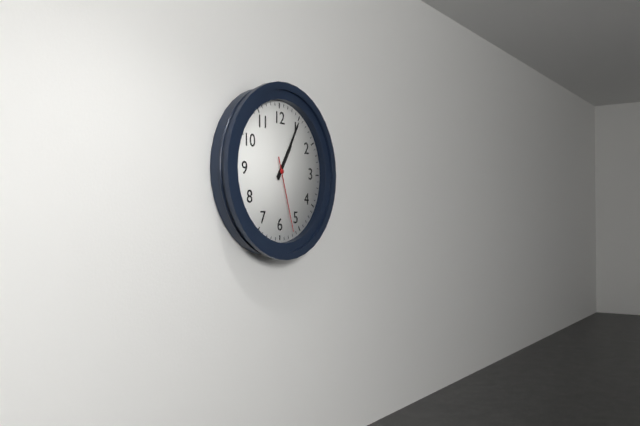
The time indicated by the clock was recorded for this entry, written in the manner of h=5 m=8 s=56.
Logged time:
h=1 m=5 s=27
